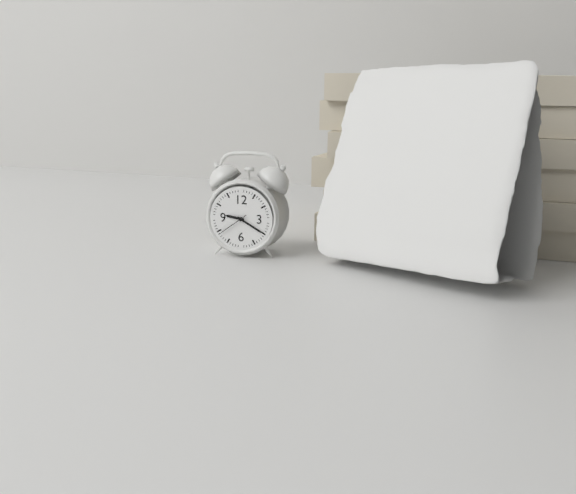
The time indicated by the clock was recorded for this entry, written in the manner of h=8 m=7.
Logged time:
h=9 m=20
